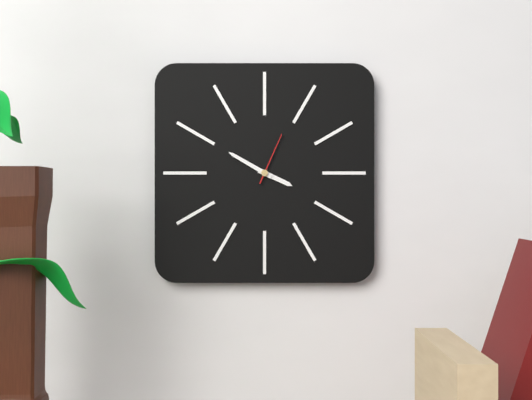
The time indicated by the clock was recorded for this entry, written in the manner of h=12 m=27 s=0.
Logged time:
h=3 m=50 s=4
